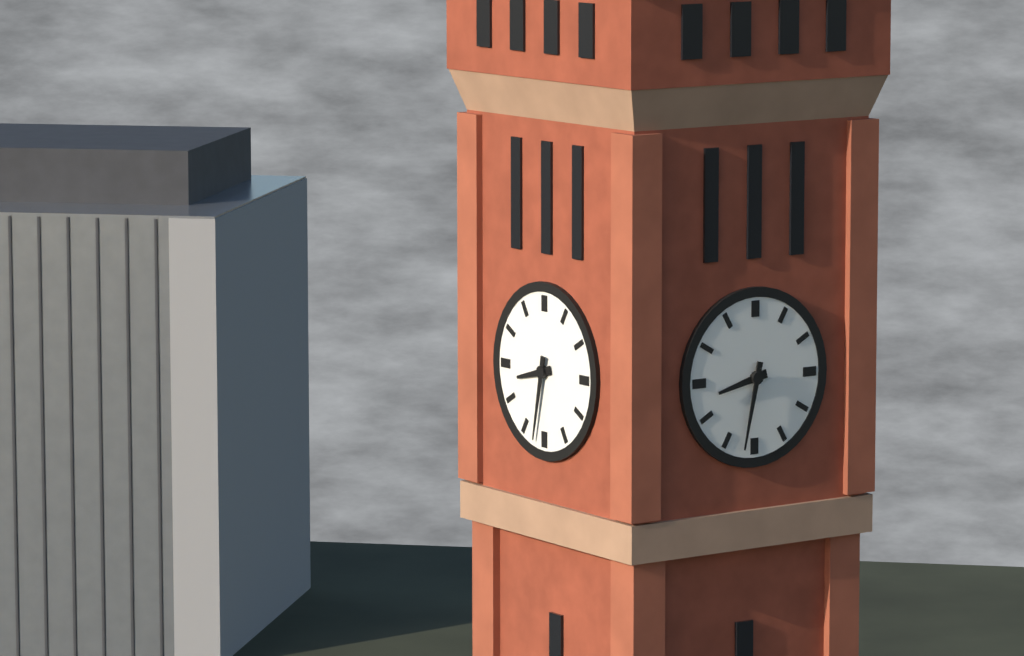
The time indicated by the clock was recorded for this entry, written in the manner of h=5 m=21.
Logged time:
h=8 m=32
